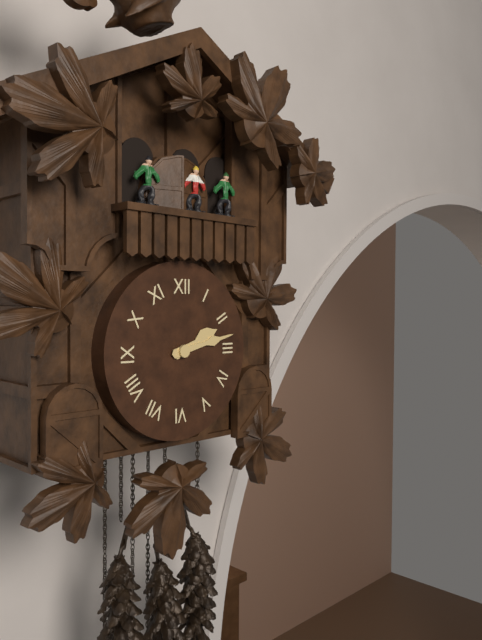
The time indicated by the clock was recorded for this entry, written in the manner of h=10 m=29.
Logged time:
h=2 m=13
